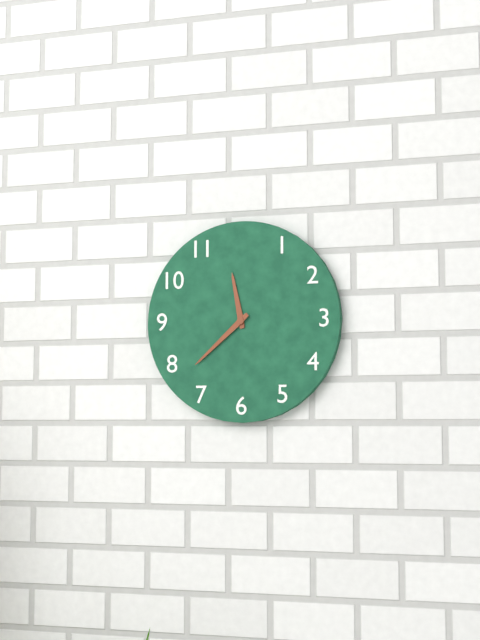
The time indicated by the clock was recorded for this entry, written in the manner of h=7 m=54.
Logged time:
h=11 m=38
